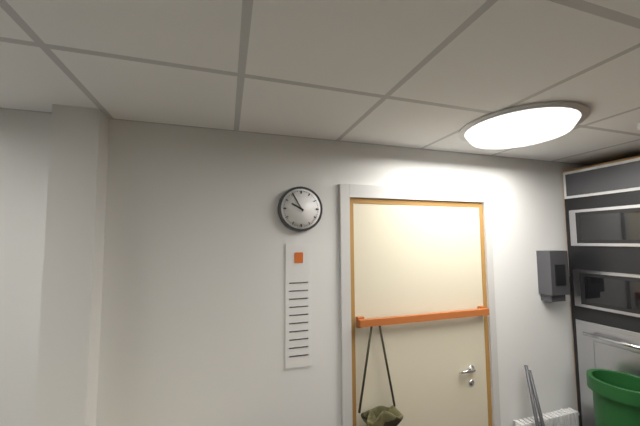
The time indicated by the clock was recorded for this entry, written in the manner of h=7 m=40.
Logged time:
h=9 m=55
